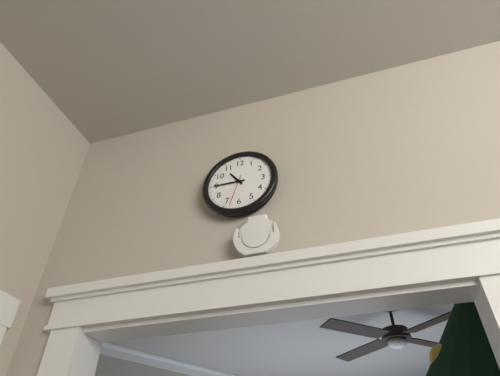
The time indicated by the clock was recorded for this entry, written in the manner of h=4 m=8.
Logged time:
h=10 m=45
